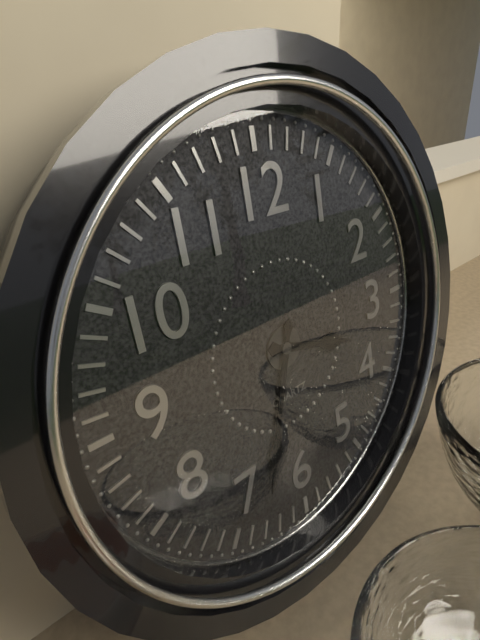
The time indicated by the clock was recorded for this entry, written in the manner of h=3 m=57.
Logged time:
h=3 m=33
